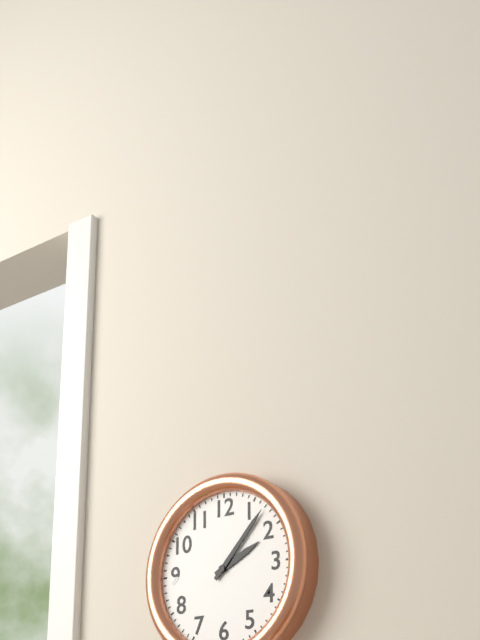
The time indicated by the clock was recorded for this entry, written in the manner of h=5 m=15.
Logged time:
h=2 m=7
